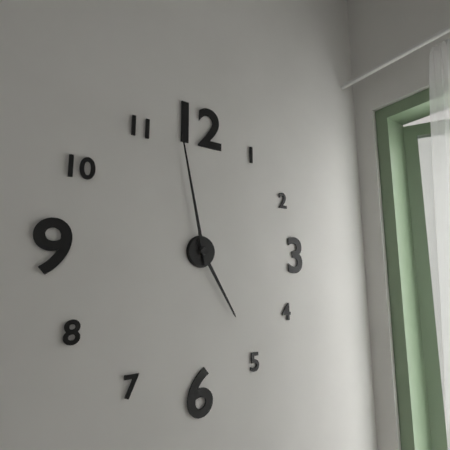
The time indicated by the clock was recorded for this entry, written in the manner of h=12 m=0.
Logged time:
h=4 m=58
